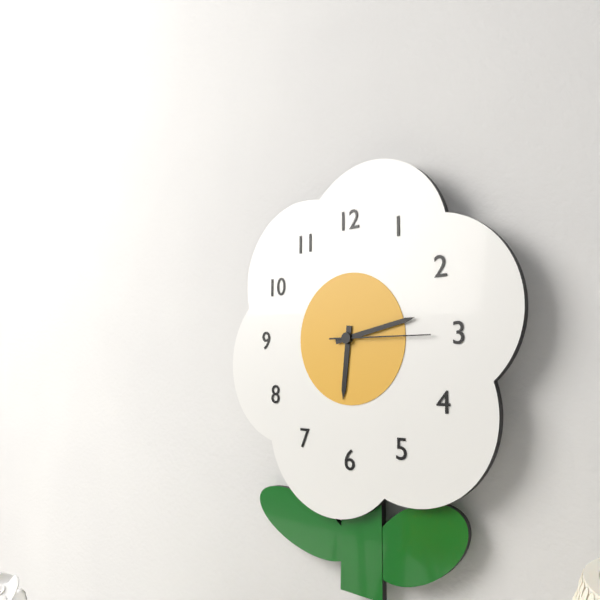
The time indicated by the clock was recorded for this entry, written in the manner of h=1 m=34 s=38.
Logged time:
h=6 m=13 s=15
